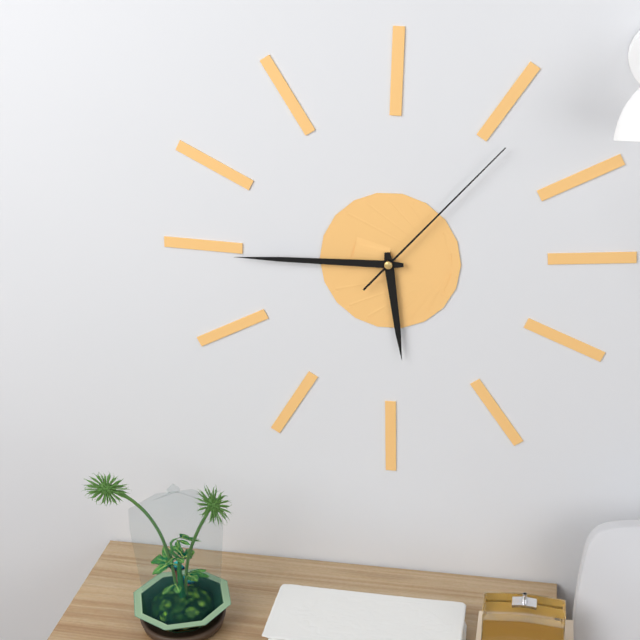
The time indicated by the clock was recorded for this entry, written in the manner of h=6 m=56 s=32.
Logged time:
h=5 m=45 s=7
